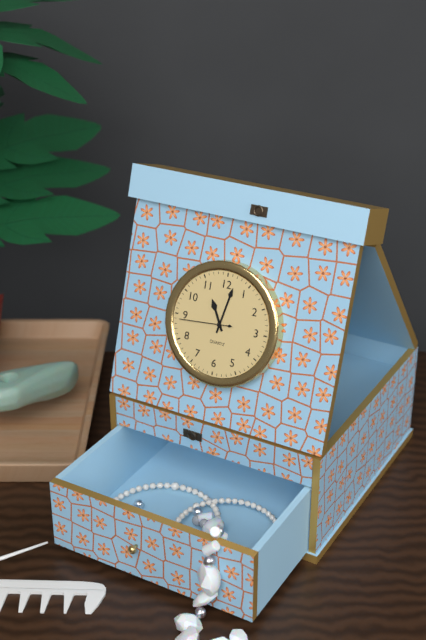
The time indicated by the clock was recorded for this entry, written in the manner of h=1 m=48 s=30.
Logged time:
h=11 m=2 s=44
